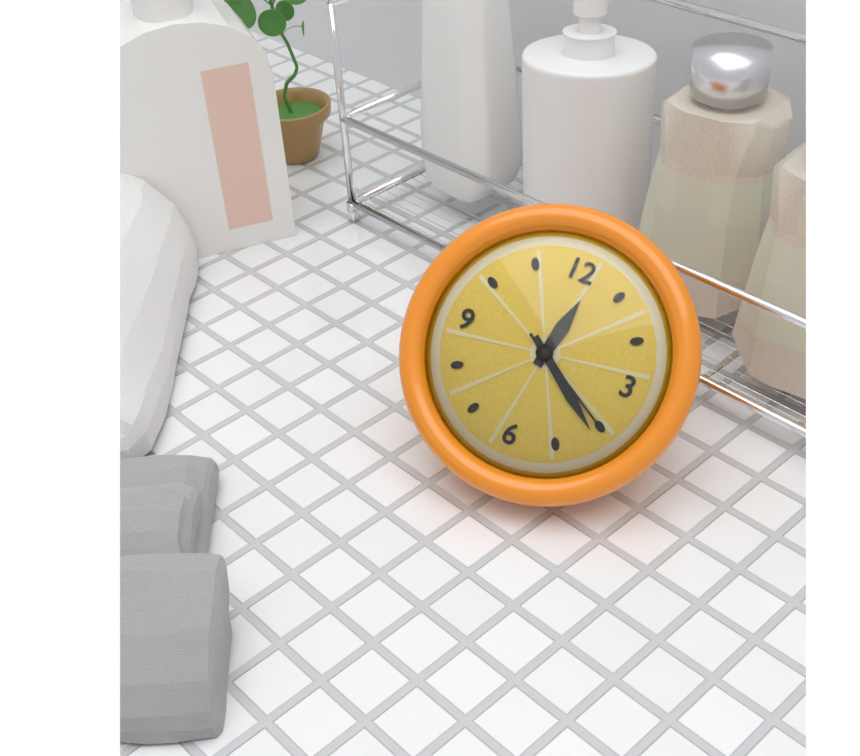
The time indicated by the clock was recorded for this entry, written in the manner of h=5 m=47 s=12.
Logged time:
h=12 m=21 s=20
